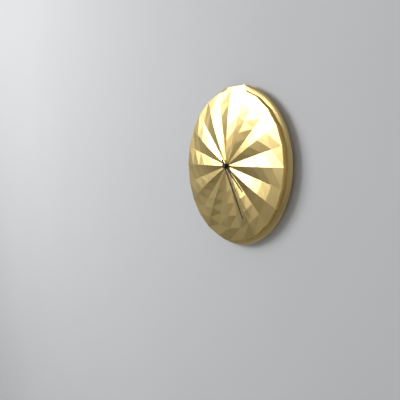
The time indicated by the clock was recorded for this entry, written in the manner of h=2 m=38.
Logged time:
h=4 m=25
